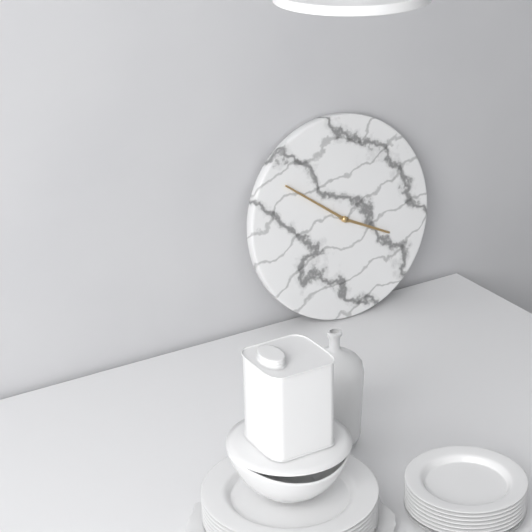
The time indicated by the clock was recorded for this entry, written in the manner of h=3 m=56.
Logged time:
h=3 m=51
